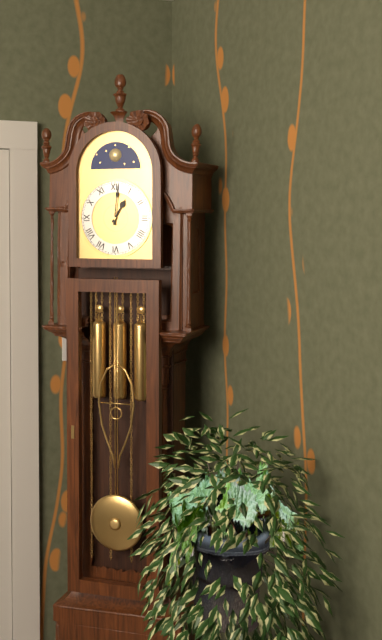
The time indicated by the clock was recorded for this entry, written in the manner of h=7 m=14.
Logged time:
h=1 m=1
